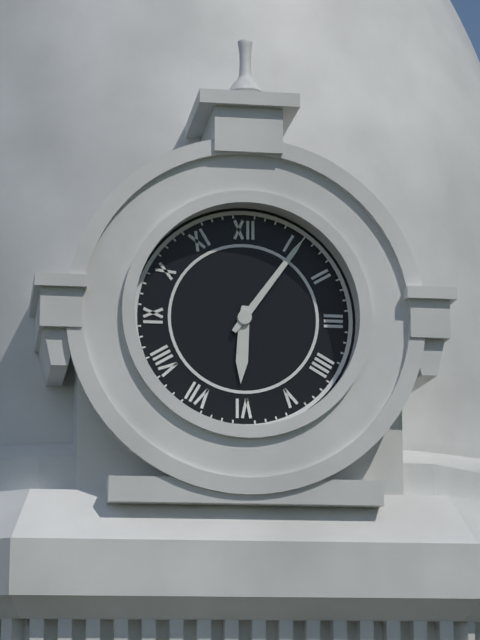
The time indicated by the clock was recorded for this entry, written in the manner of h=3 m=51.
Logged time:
h=6 m=6
